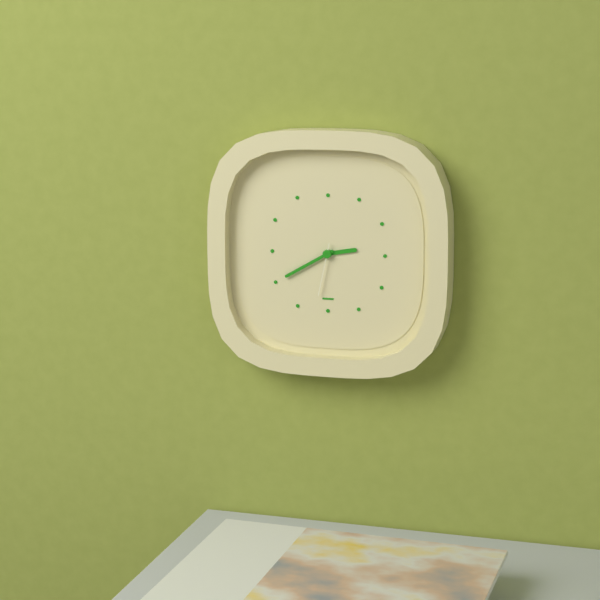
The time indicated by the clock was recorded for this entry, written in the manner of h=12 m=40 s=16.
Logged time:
h=2 m=40 s=32
